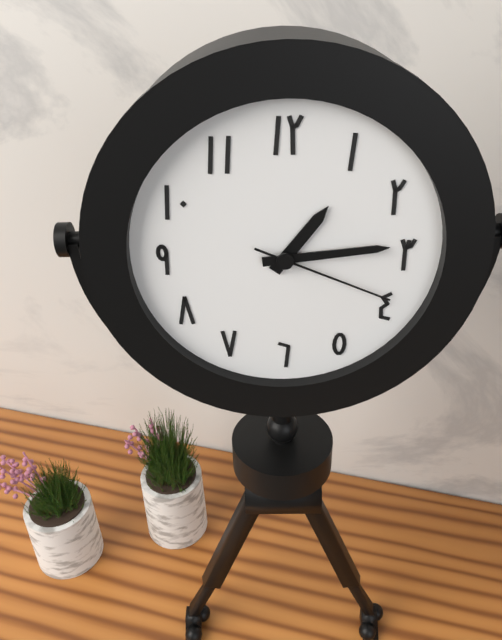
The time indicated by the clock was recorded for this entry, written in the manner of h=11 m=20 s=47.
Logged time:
h=1 m=14 s=19
